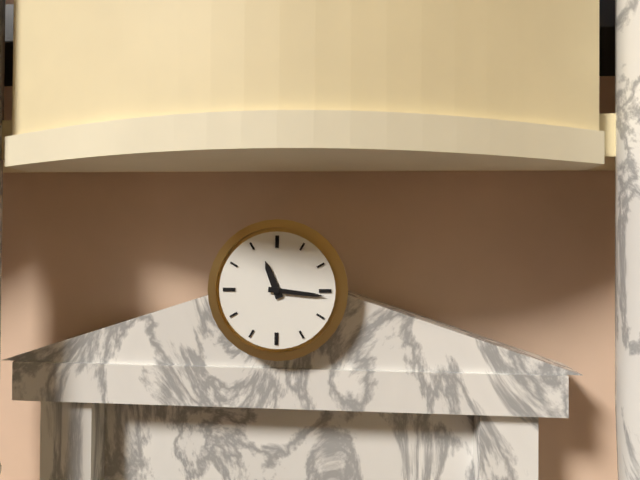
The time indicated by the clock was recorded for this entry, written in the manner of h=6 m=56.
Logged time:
h=11 m=16
